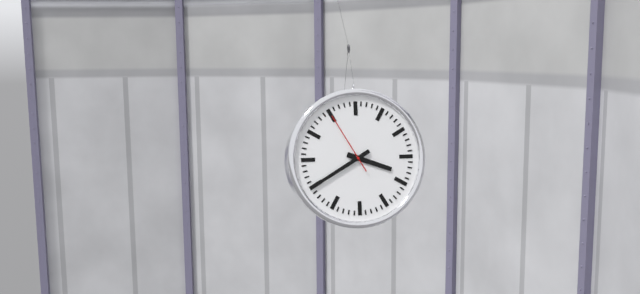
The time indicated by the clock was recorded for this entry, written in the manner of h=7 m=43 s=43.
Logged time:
h=3 m=40 s=55
